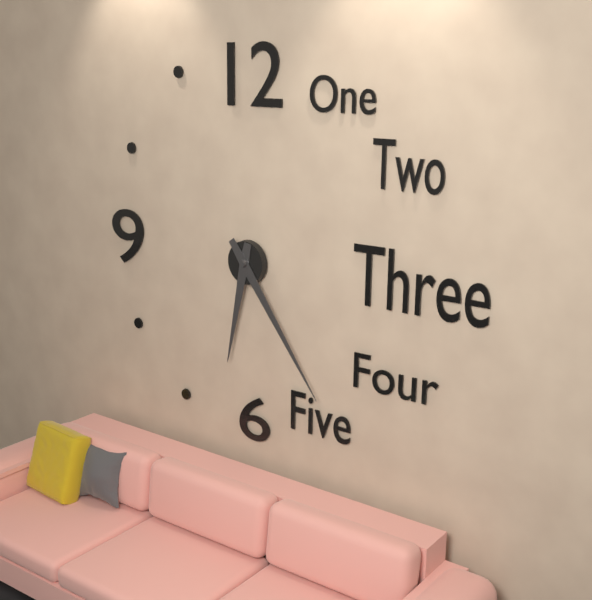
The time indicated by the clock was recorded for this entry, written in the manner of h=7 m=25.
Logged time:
h=6 m=24
